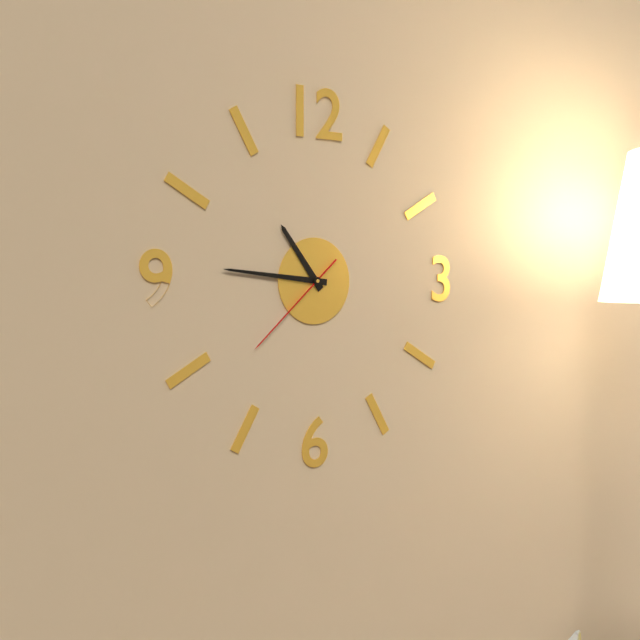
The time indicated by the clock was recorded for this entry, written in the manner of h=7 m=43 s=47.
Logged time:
h=10 m=46 s=38
